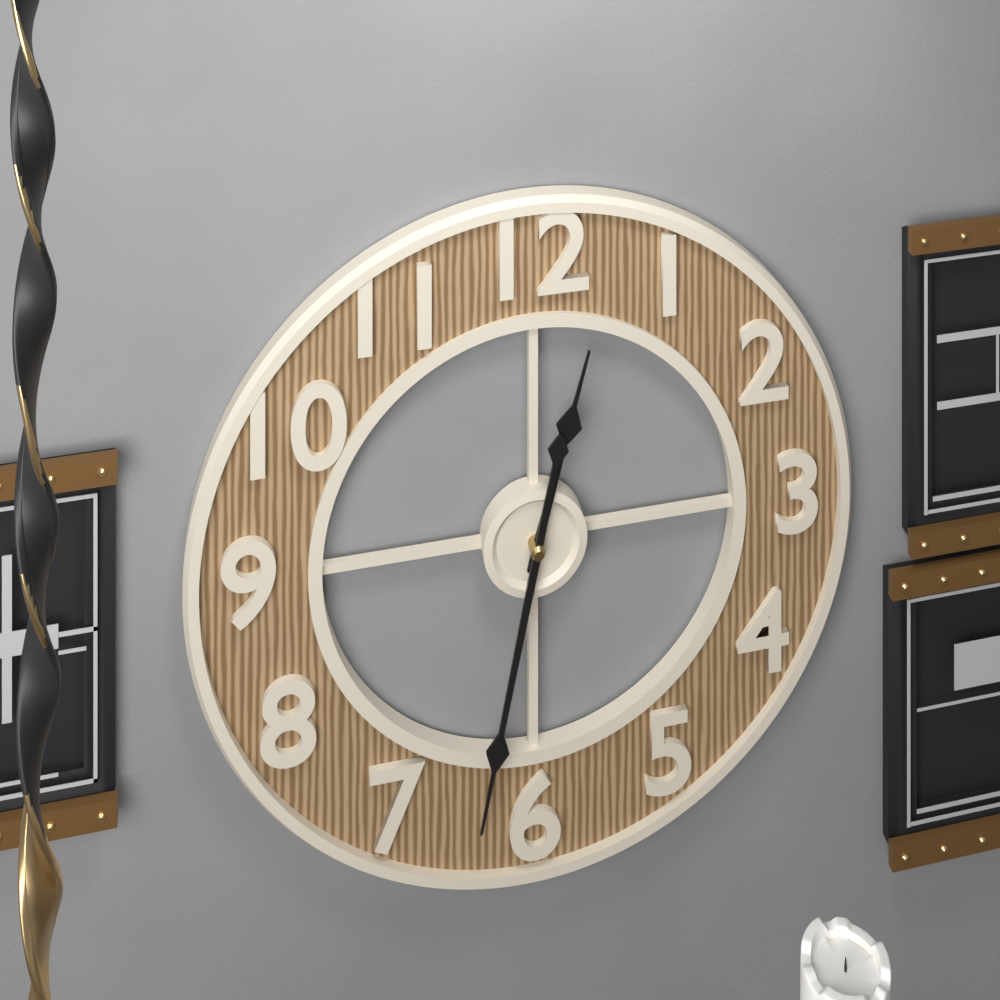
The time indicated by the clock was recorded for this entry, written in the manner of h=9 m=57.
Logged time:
h=12 m=32
